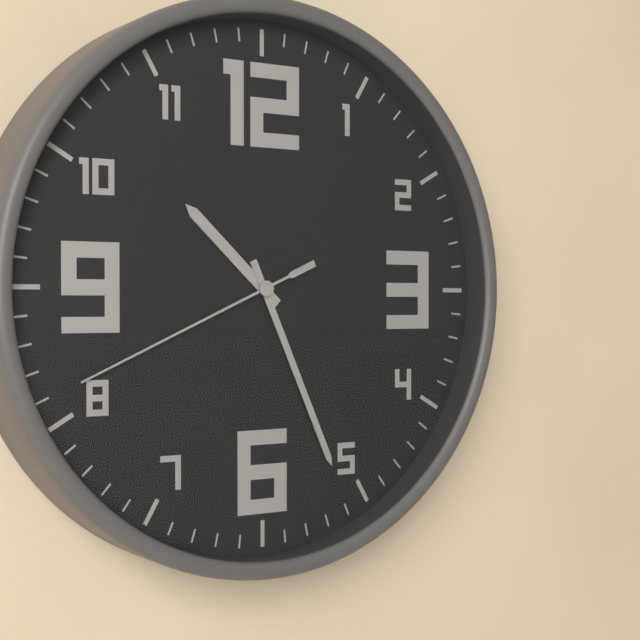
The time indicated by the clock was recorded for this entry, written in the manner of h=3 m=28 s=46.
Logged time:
h=10 m=26 s=41
